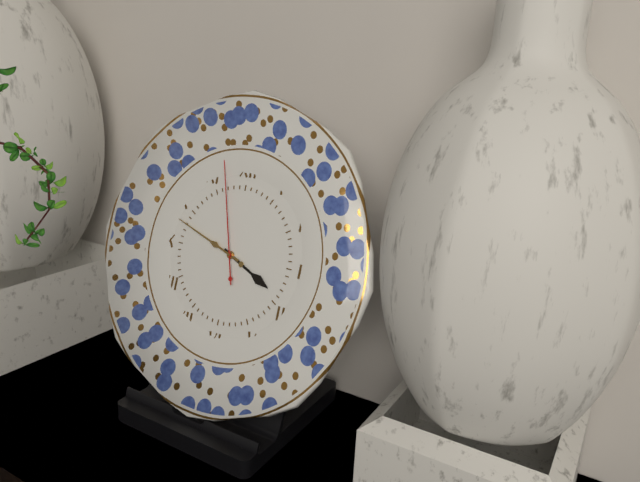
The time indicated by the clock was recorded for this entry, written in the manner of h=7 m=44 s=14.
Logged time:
h=3 m=48 s=57
